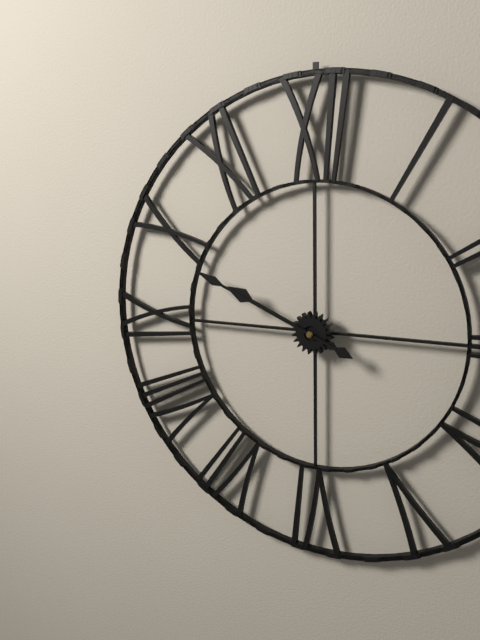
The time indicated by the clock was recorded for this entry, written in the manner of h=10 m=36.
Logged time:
h=9 m=49
